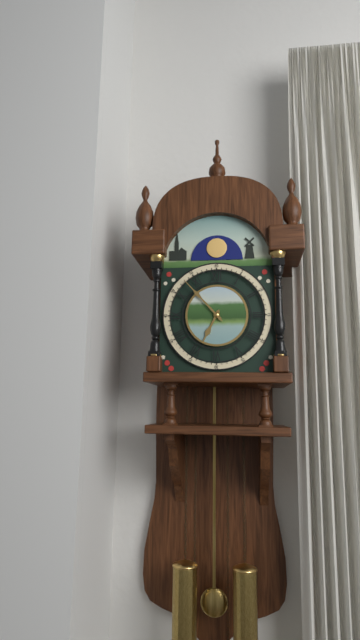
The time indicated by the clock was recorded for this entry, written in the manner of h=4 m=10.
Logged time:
h=6 m=53
